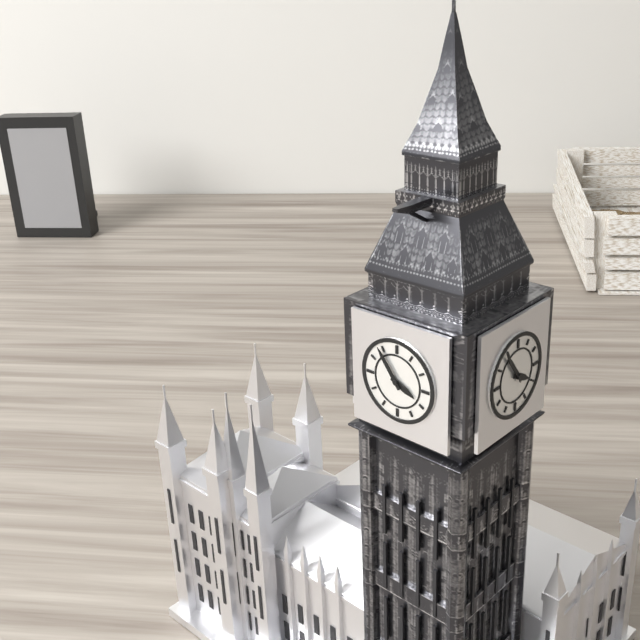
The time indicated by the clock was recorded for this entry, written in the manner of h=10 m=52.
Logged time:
h=3 m=54
